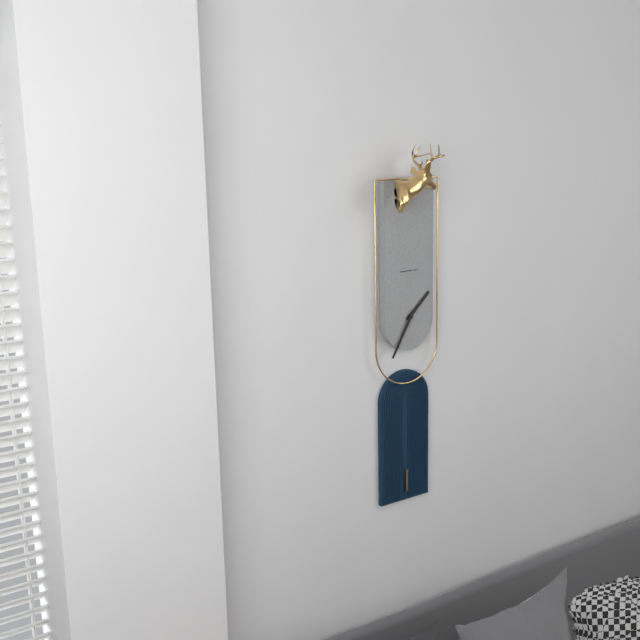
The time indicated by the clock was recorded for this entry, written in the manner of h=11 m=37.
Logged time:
h=1 m=35
